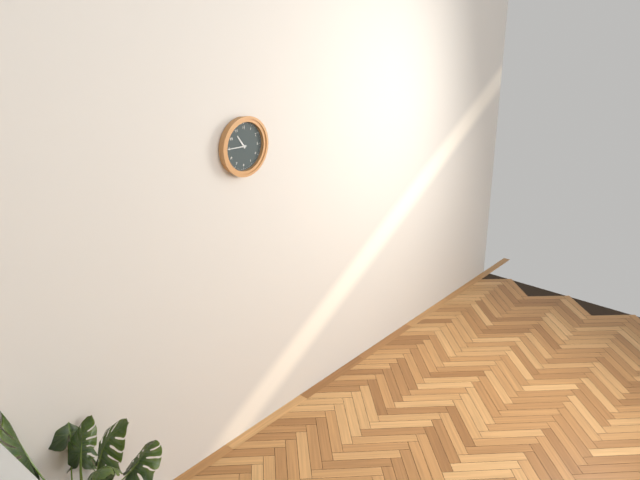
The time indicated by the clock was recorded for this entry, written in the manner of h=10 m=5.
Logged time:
h=10 m=45
